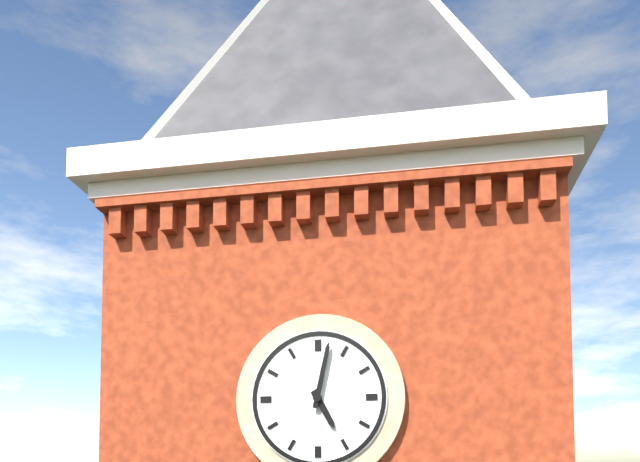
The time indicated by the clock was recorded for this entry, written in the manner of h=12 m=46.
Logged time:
h=5 m=2
